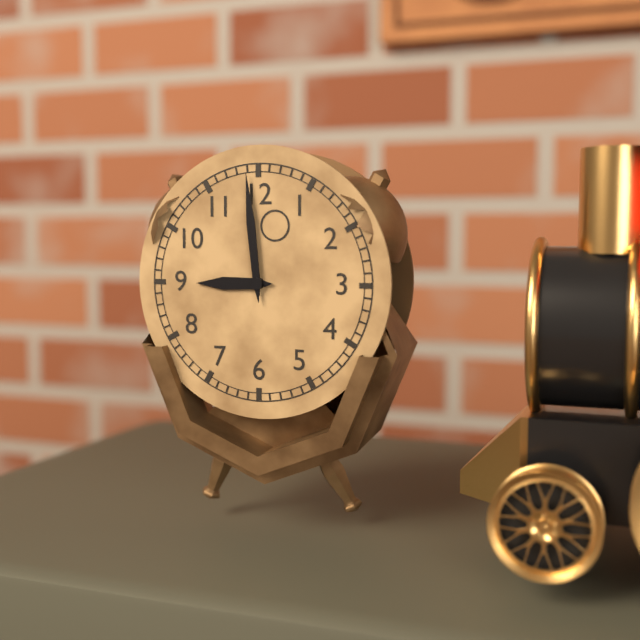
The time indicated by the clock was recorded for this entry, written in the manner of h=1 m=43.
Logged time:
h=8 m=59
